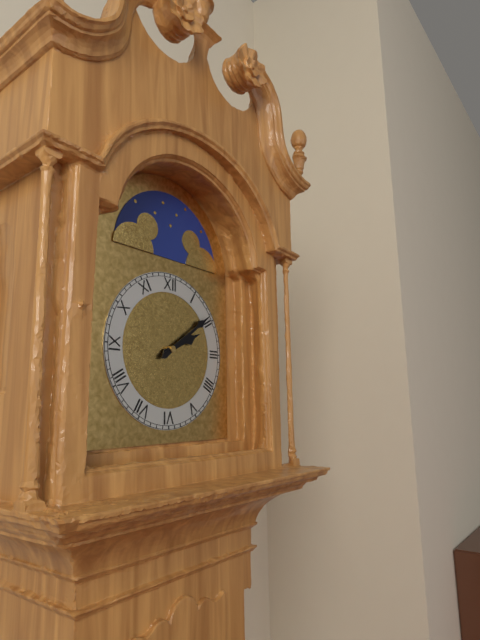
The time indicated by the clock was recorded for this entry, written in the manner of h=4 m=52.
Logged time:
h=2 m=9
